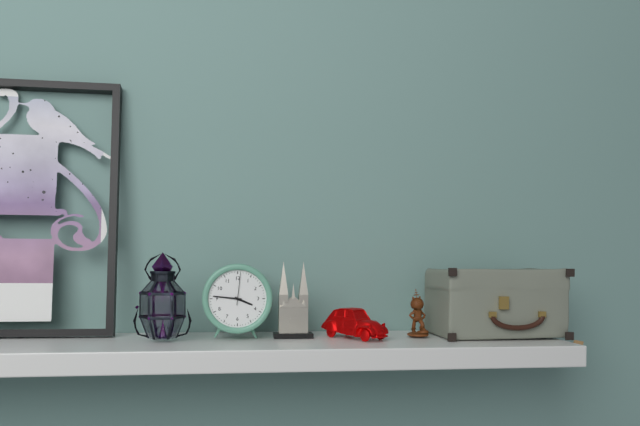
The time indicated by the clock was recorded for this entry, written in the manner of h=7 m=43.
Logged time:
h=3 m=46
